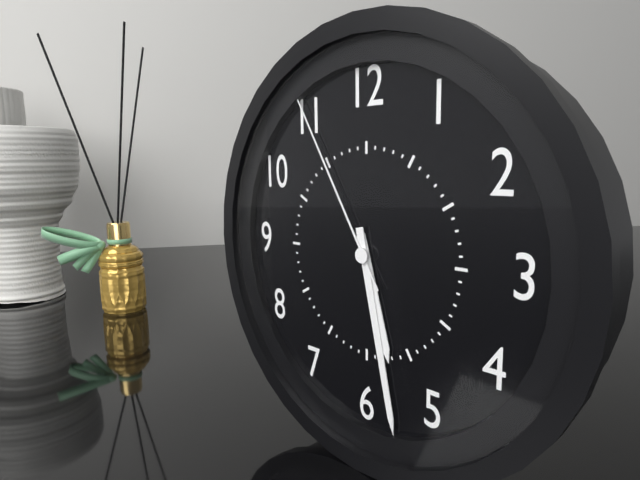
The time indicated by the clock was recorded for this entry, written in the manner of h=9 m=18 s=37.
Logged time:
h=5 m=28 s=55
